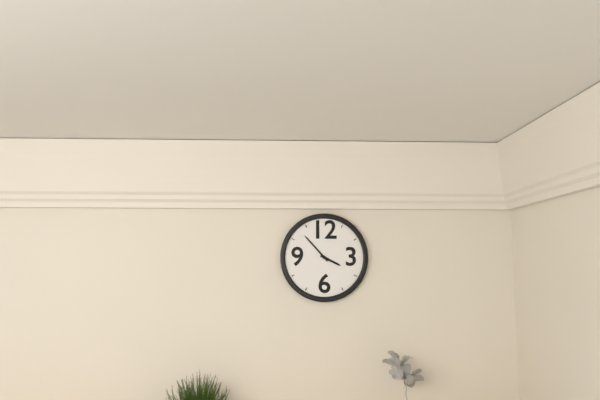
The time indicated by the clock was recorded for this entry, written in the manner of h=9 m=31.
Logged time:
h=3 m=53
